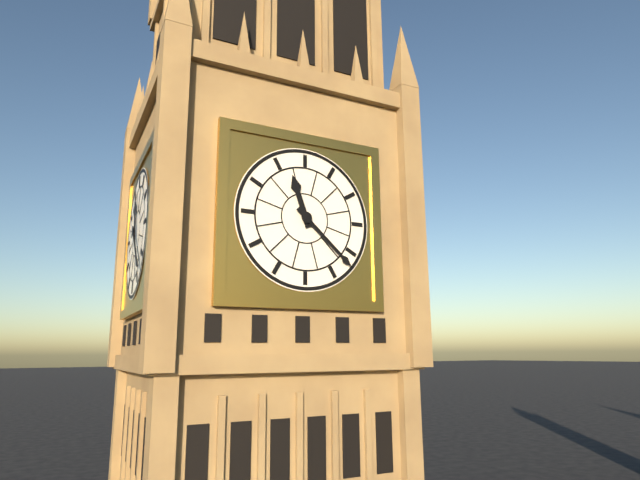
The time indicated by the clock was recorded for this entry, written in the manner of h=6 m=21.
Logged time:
h=11 m=22
